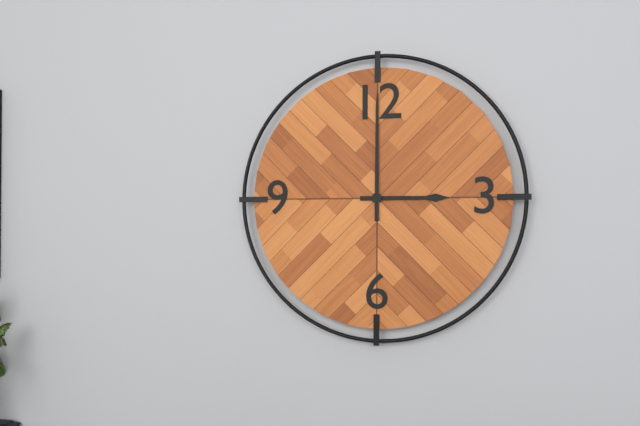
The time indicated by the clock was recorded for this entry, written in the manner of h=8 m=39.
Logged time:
h=3 m=0
